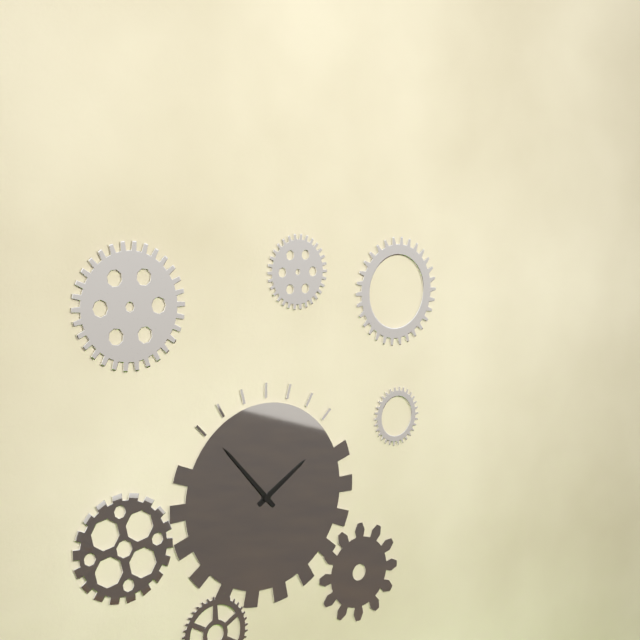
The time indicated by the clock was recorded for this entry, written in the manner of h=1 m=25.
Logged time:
h=1 m=53
